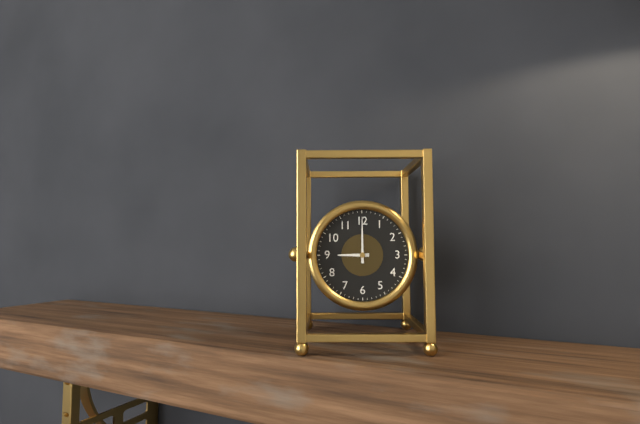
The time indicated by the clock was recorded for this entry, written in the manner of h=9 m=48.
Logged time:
h=9 m=0
